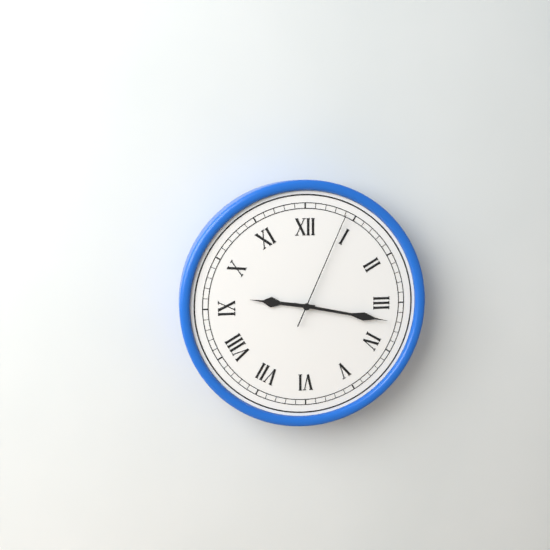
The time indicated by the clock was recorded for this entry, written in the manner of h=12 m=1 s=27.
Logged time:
h=9 m=17 s=4
